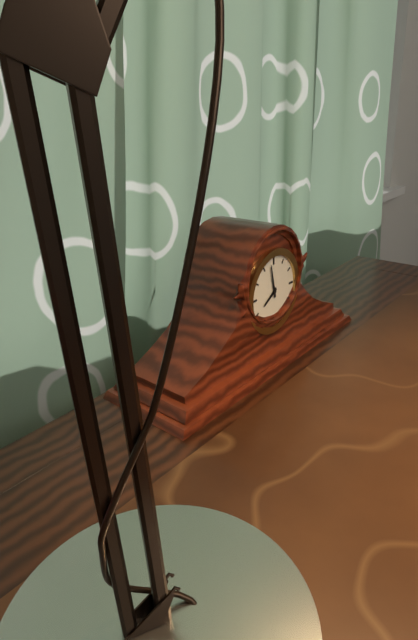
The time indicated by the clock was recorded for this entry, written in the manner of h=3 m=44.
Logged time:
h=7 m=58
